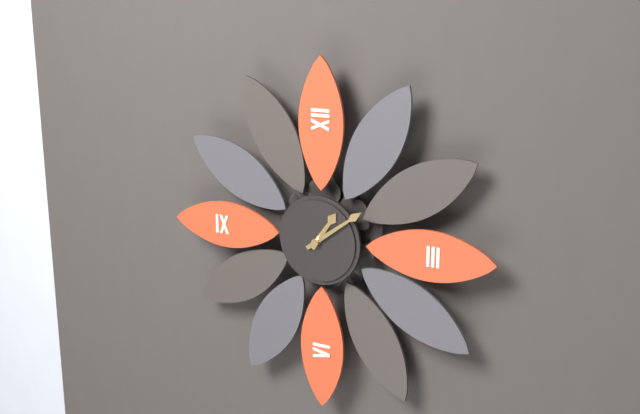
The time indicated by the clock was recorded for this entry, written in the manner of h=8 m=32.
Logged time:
h=1 m=9
